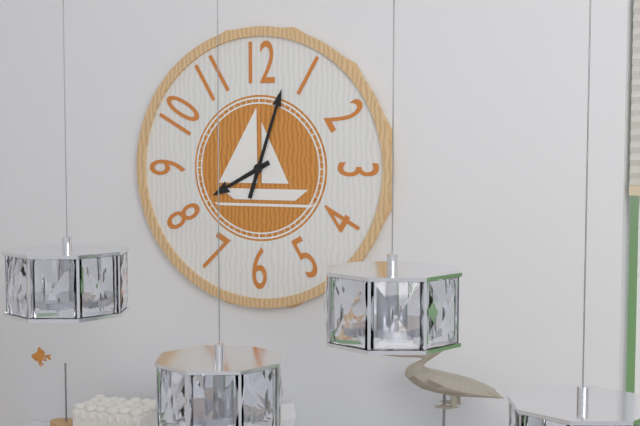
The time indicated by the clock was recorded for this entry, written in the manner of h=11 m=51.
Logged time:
h=8 m=3
